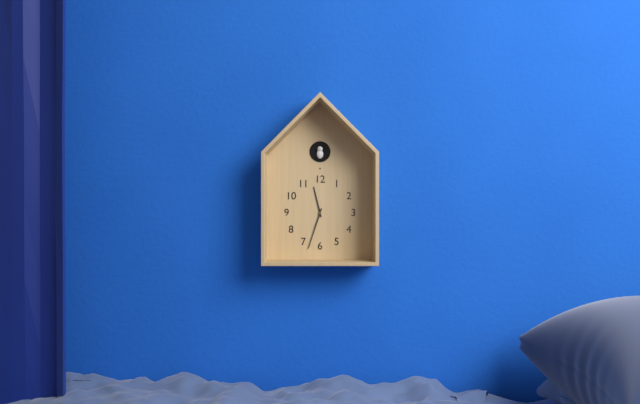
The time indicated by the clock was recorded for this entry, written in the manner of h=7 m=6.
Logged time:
h=11 m=33
